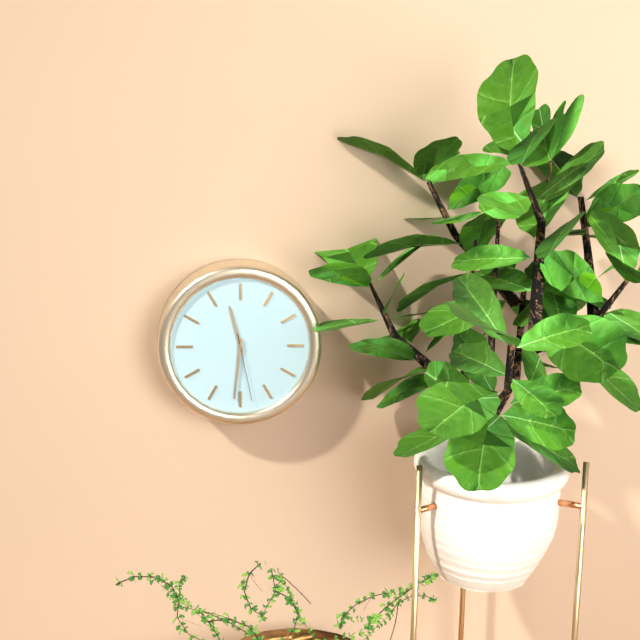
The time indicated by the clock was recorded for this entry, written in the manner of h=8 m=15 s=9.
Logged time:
h=11 m=31 s=28
